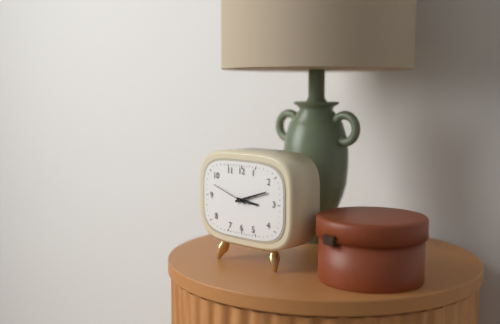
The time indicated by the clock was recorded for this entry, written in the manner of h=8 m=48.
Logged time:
h=3 m=12
